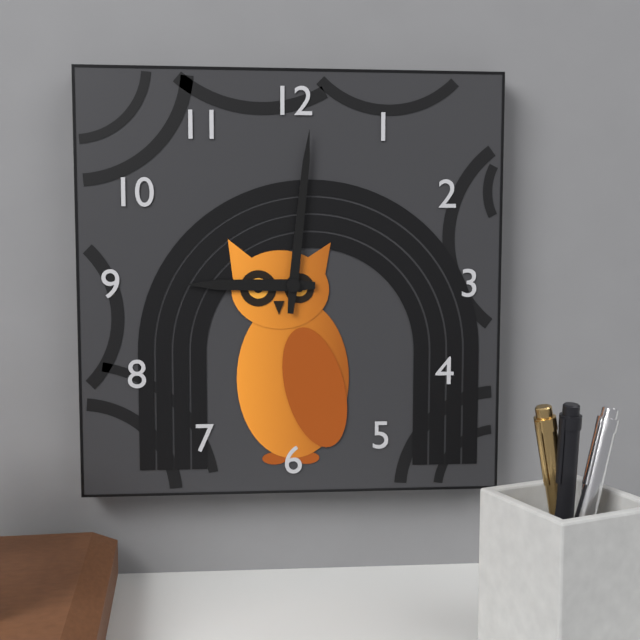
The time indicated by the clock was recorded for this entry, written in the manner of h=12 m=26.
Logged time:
h=9 m=1
